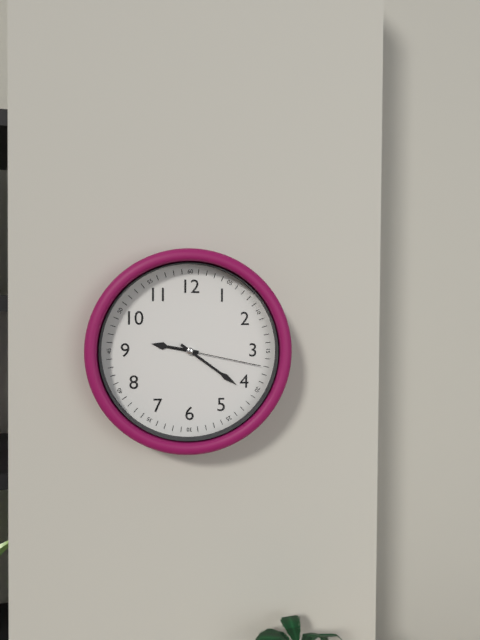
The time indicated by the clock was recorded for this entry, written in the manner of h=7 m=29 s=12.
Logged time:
h=9 m=21 s=17
